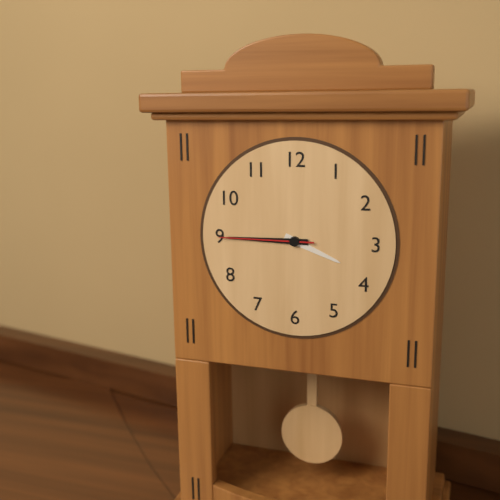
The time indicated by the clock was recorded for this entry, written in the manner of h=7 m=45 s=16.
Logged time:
h=3 m=45 s=45
